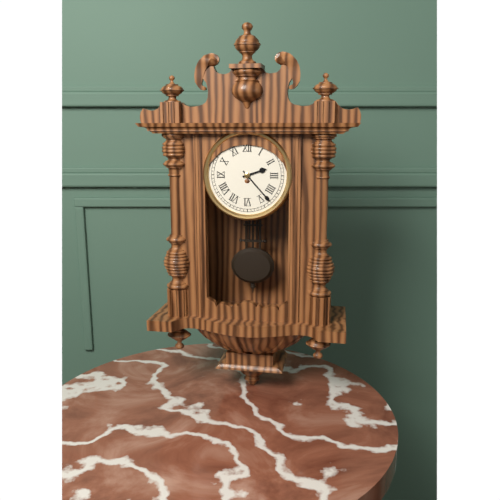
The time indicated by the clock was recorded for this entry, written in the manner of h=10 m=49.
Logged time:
h=2 m=23
